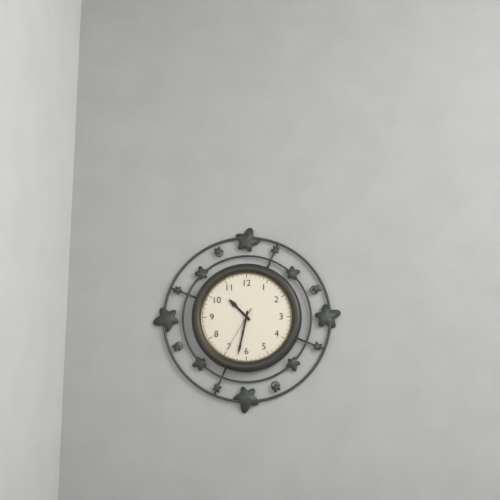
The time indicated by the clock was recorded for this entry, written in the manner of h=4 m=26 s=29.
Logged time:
h=10 m=32 s=35
